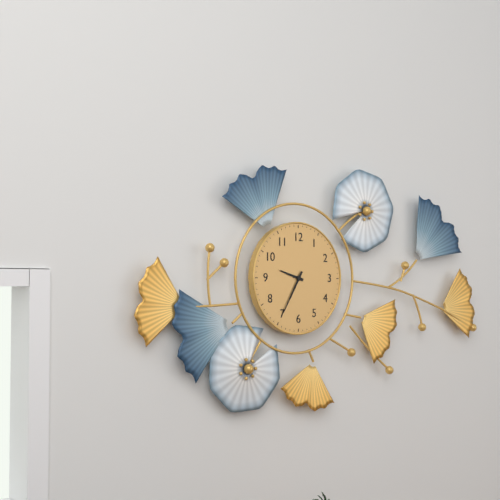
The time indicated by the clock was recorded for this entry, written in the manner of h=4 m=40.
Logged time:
h=9 m=35
